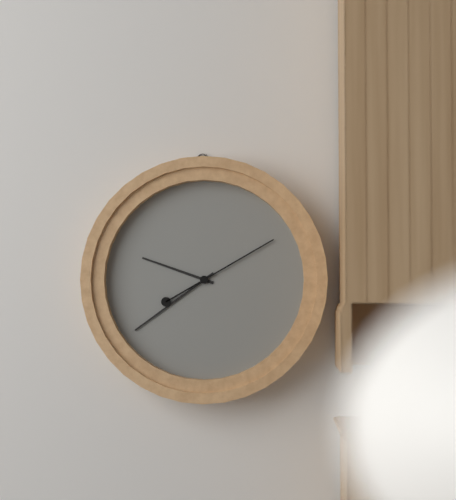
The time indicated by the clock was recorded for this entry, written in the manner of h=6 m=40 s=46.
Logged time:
h=9 m=39 s=10
